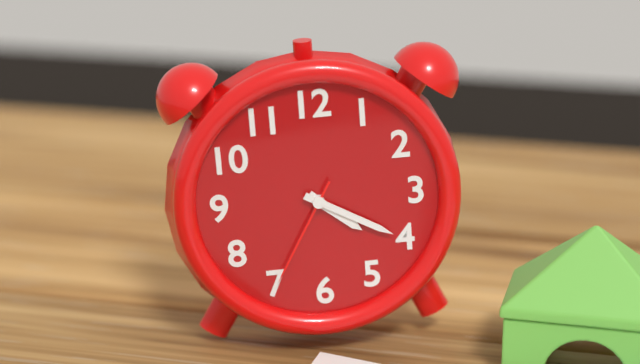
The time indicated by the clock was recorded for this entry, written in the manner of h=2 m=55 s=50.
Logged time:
h=4 m=20 s=35
